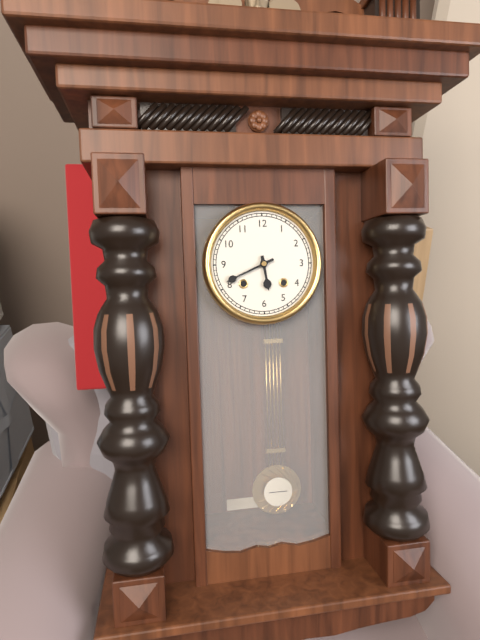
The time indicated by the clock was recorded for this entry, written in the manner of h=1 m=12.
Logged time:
h=5 m=41
